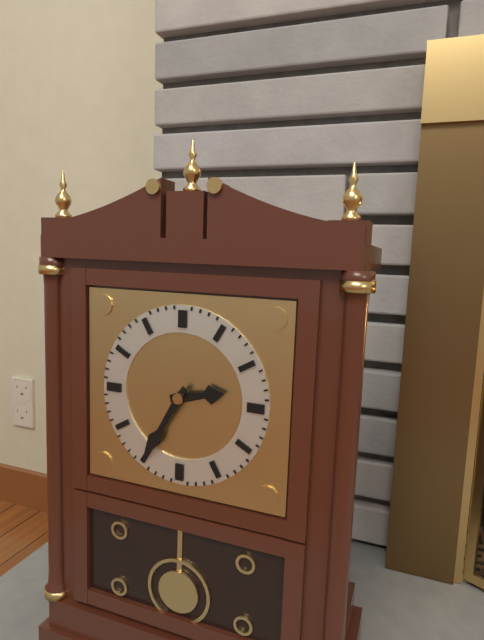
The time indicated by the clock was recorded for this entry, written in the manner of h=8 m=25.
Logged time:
h=2 m=35
